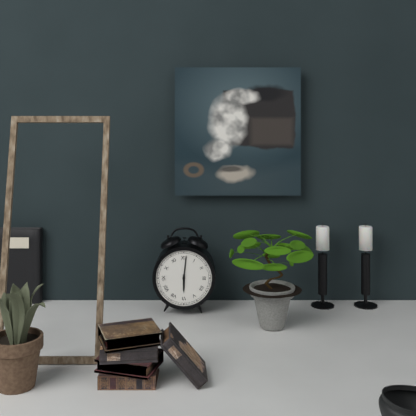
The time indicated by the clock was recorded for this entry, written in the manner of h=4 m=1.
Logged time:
h=6 m=1
